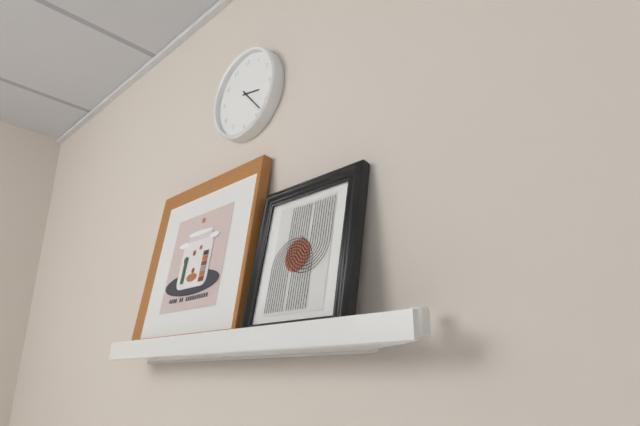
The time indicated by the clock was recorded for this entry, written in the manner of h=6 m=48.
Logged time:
h=3 m=23
